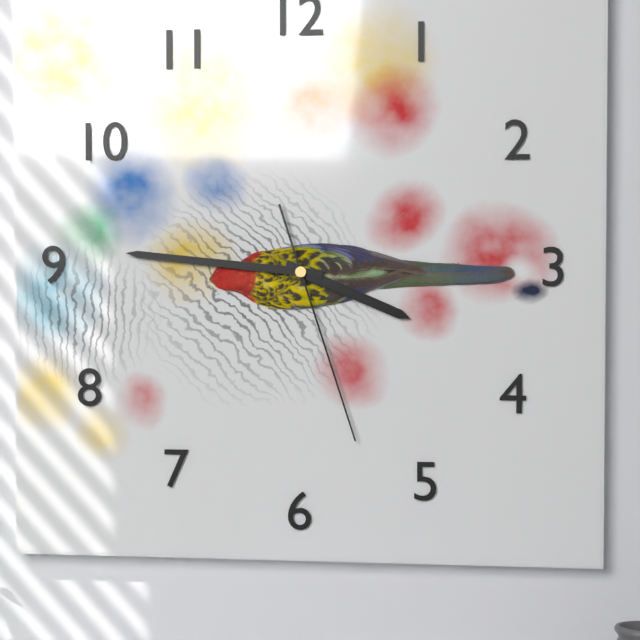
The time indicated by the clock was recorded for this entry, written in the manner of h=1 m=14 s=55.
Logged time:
h=3 m=46 s=27
